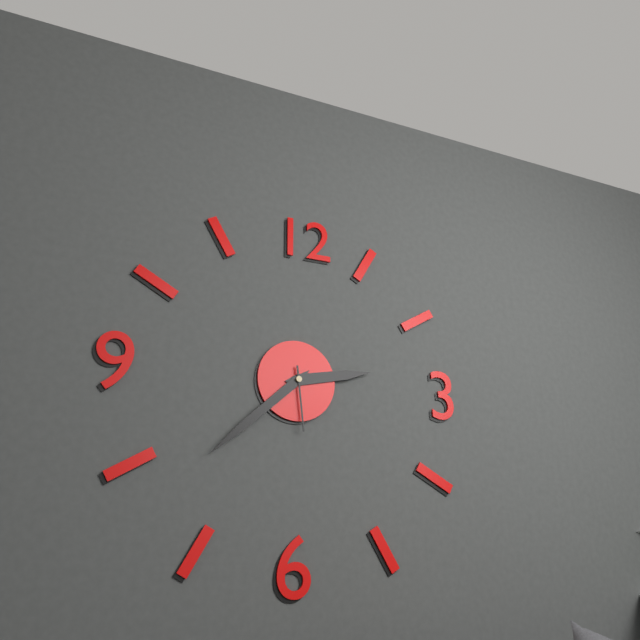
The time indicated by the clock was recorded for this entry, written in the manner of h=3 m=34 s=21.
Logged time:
h=2 m=38 s=29
